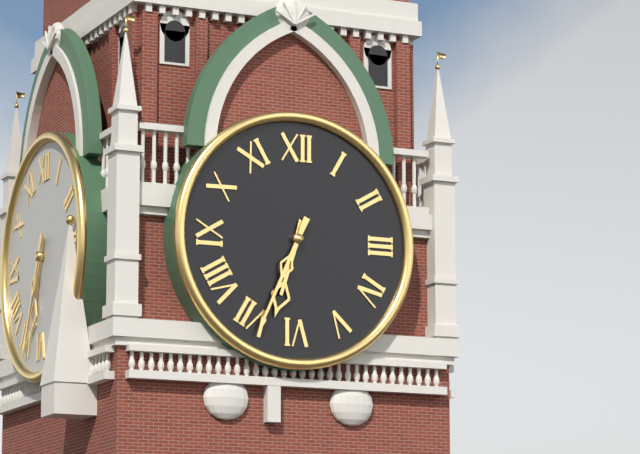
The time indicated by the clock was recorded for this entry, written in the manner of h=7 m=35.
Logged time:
h=6 m=34
